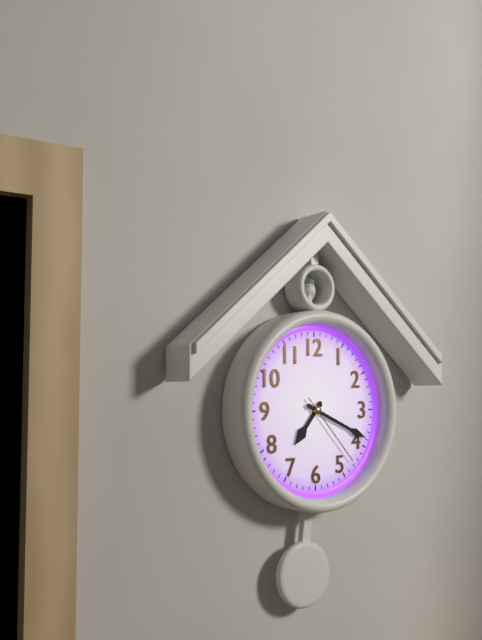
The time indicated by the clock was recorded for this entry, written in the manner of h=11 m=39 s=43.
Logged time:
h=7 m=19 s=23
